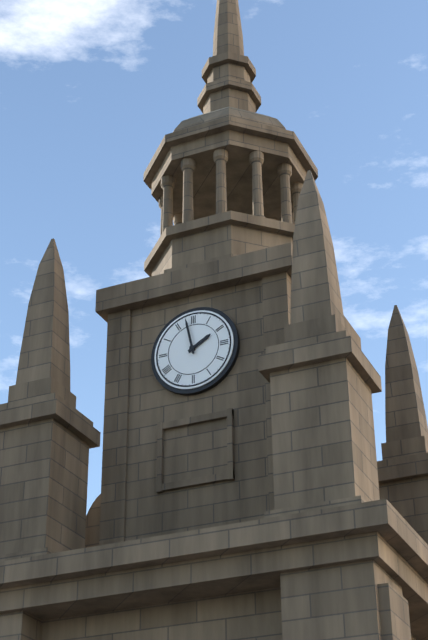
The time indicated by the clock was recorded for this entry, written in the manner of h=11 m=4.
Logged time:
h=1 m=58
